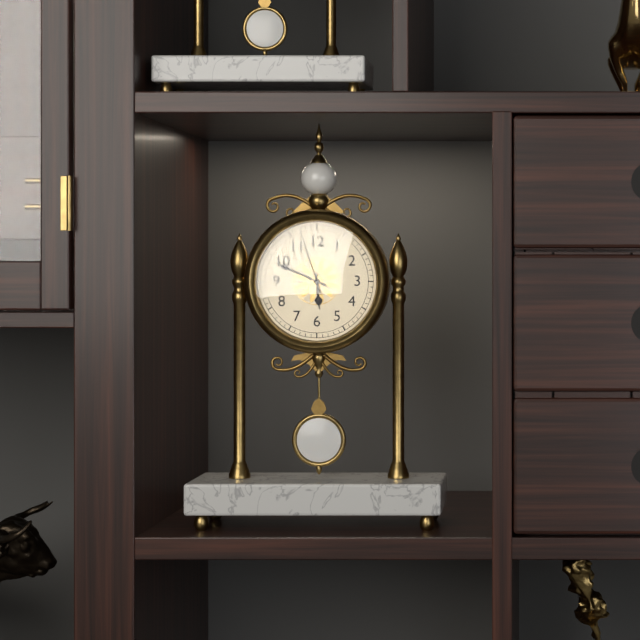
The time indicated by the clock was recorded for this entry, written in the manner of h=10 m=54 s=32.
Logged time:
h=5 m=49 s=57
